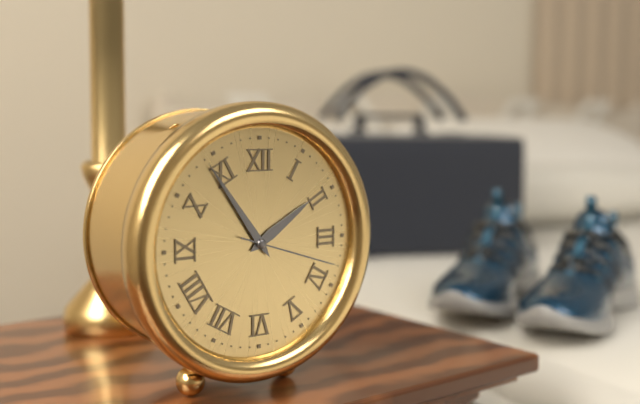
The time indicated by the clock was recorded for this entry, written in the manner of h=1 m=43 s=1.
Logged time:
h=1 m=54 s=18
